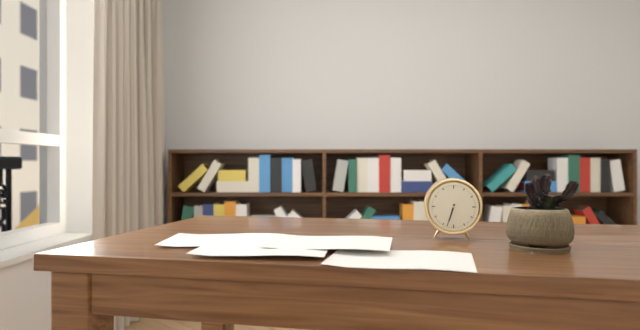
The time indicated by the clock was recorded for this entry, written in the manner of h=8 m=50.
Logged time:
h=6 m=33
